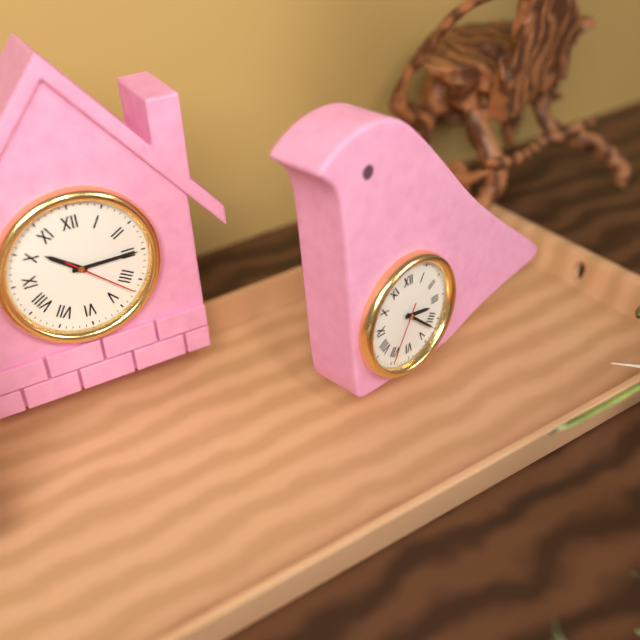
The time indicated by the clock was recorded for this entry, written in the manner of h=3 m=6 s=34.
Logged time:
h=3 m=22 s=35
